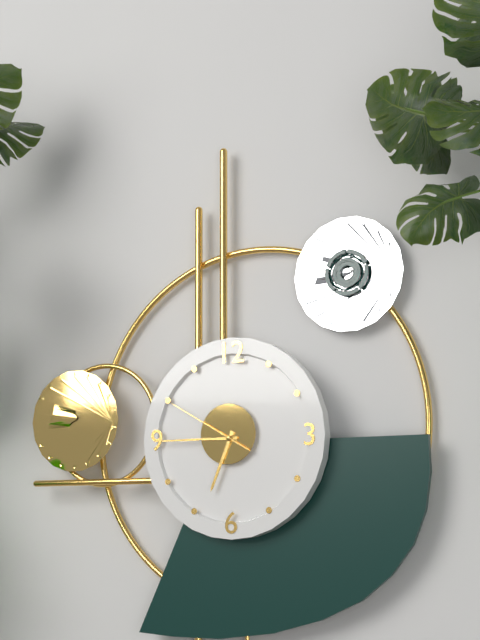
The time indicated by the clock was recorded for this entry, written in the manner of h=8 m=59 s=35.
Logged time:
h=6 m=45 s=50
